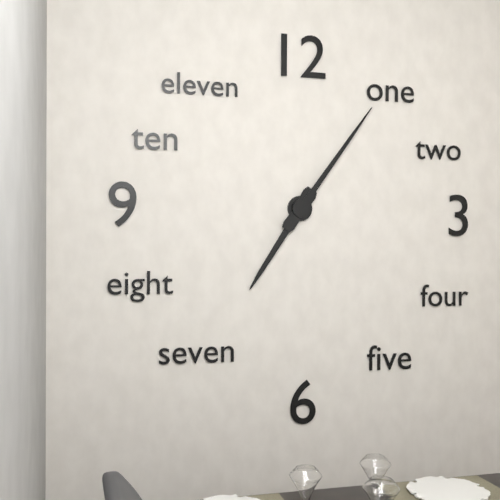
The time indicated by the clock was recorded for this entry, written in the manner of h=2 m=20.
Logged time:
h=7 m=6
